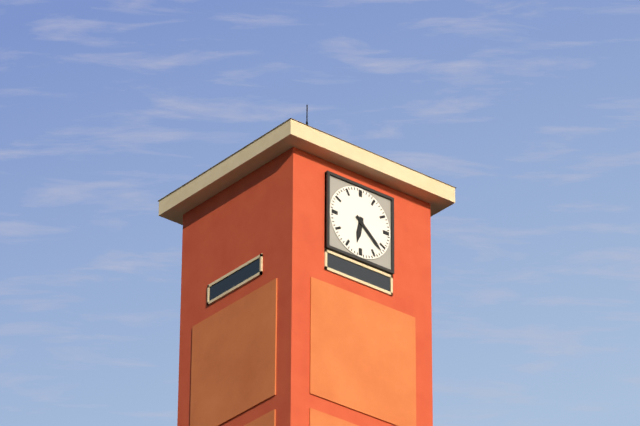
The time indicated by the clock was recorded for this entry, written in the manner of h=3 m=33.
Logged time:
h=6 m=22
